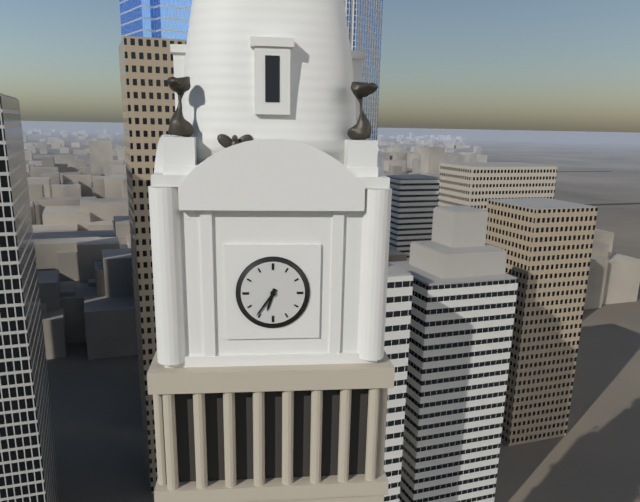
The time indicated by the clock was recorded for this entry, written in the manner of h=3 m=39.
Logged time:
h=6 m=36
